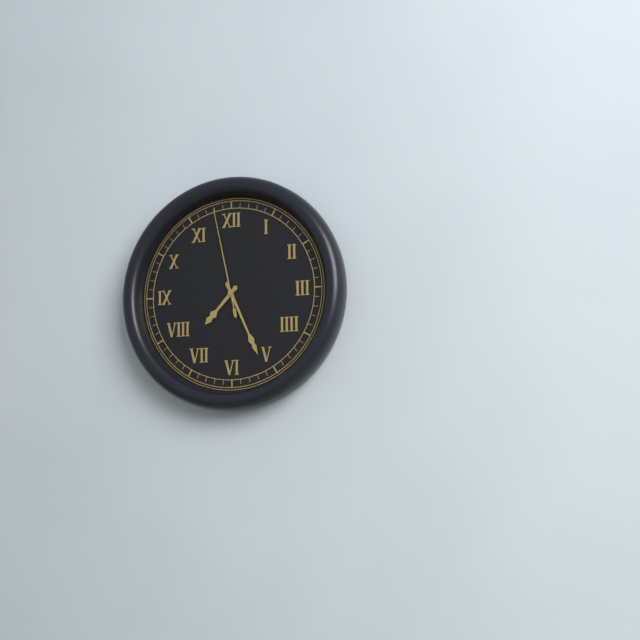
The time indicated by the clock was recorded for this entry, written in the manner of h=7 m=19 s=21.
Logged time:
h=7 m=26 s=58
